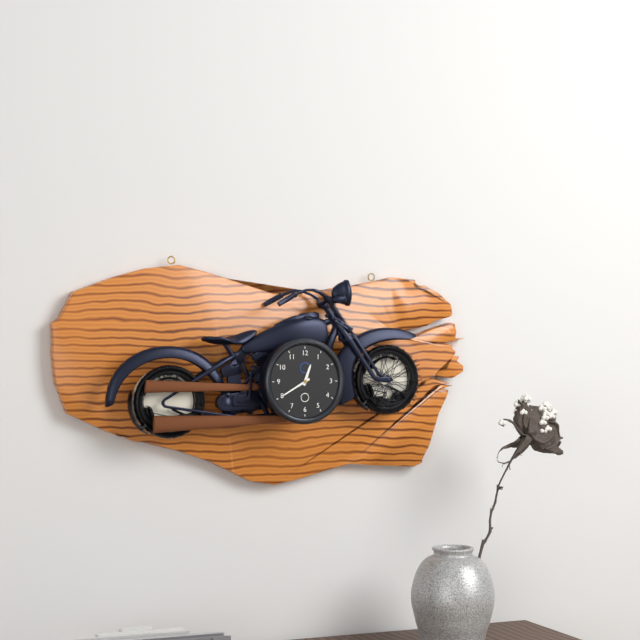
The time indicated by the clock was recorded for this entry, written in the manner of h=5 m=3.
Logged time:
h=12 m=40
